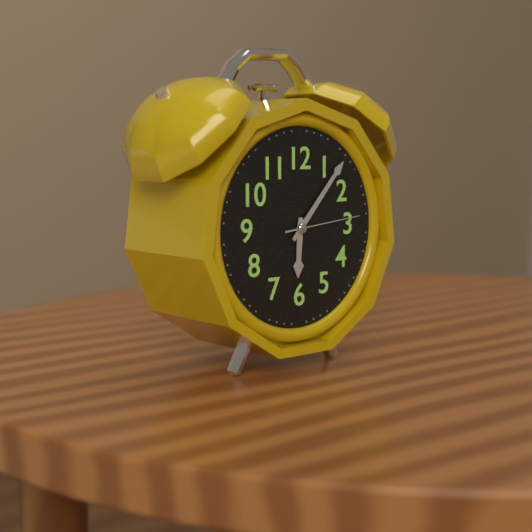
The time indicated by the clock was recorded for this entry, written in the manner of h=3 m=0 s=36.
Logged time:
h=6 m=7 s=14
